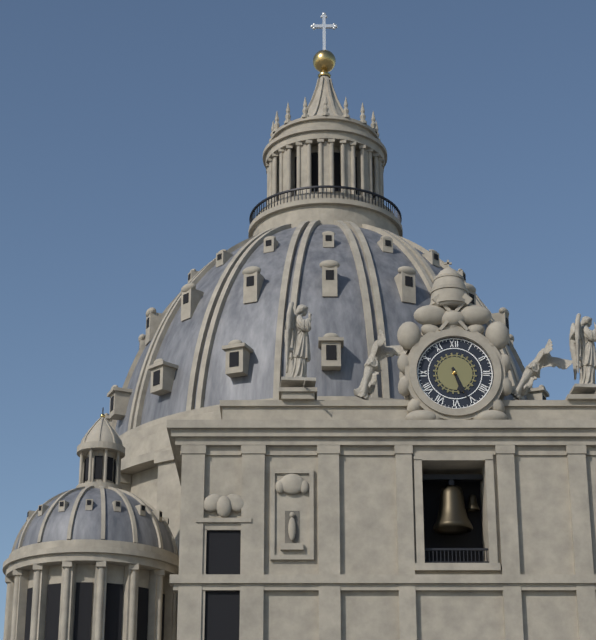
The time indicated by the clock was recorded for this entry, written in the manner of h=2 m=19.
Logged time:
h=5 m=26
